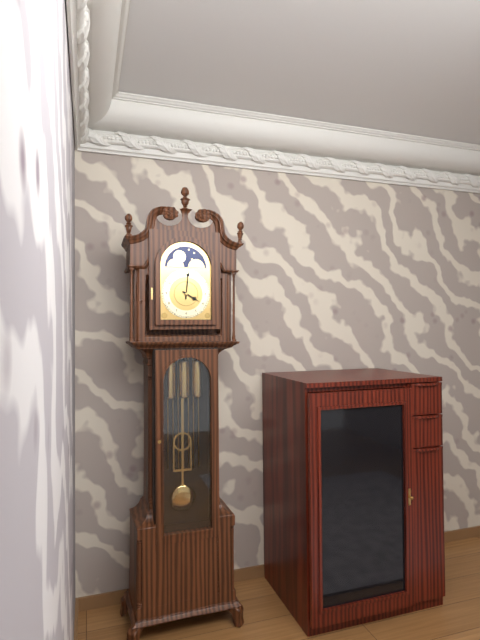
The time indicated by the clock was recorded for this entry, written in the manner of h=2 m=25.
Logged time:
h=4 m=1
